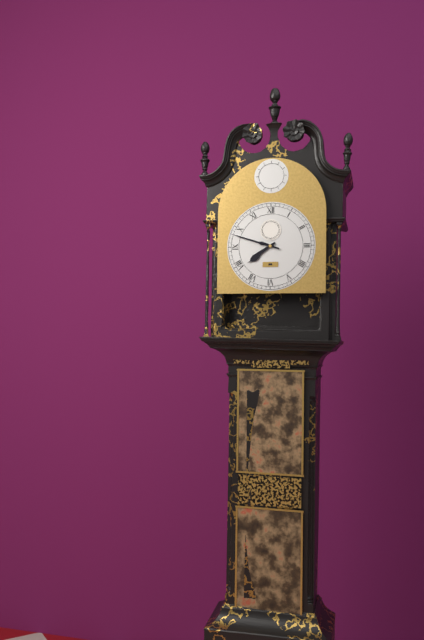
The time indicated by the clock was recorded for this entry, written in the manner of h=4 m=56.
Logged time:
h=7 m=48
